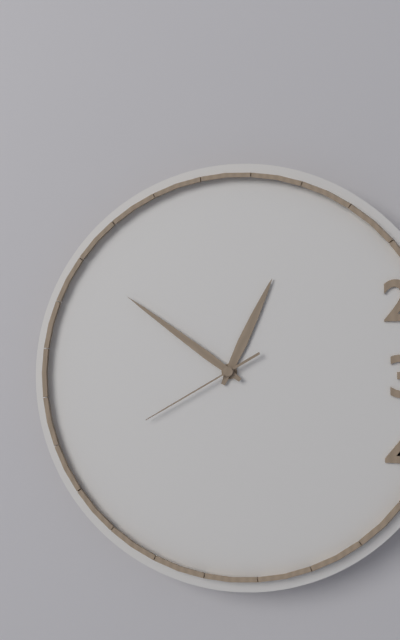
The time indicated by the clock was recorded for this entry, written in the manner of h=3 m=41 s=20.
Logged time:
h=12 m=51 s=40
